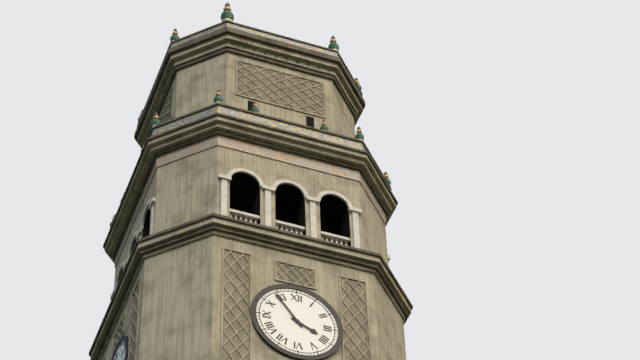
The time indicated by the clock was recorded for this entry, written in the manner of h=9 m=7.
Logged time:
h=3 m=54
